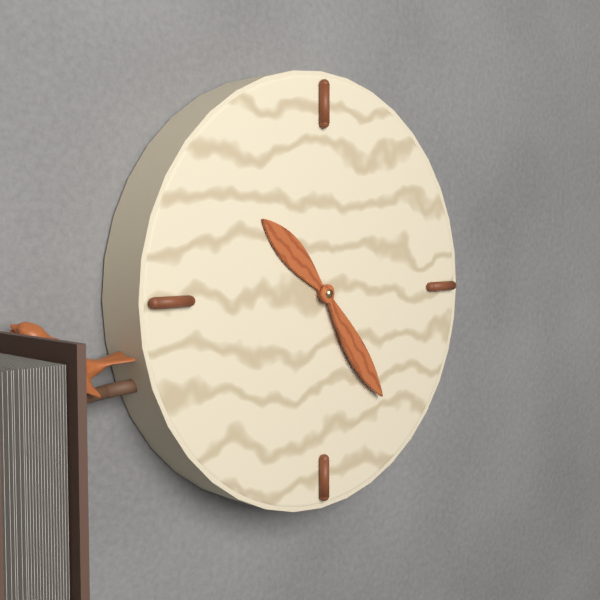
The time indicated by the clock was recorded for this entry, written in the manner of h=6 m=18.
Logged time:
h=10 m=24
